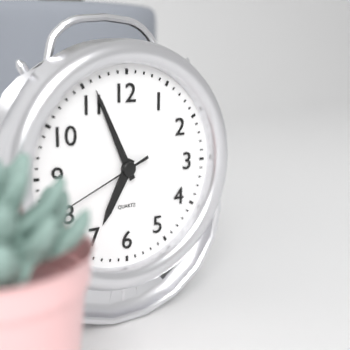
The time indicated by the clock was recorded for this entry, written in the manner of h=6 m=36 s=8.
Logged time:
h=6 m=56 s=41
